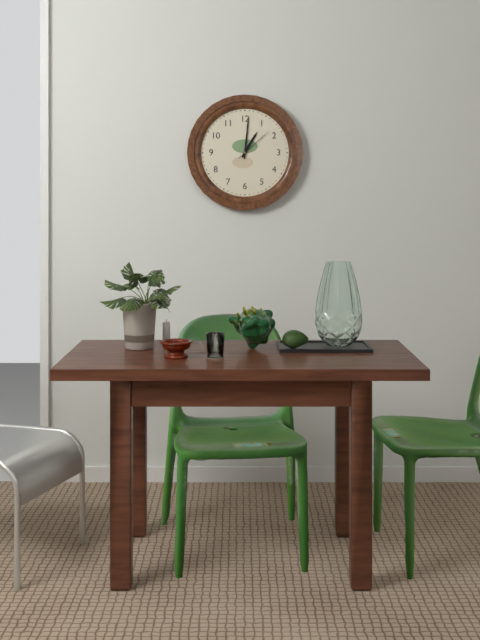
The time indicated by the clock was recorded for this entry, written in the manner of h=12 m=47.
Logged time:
h=1 m=1
